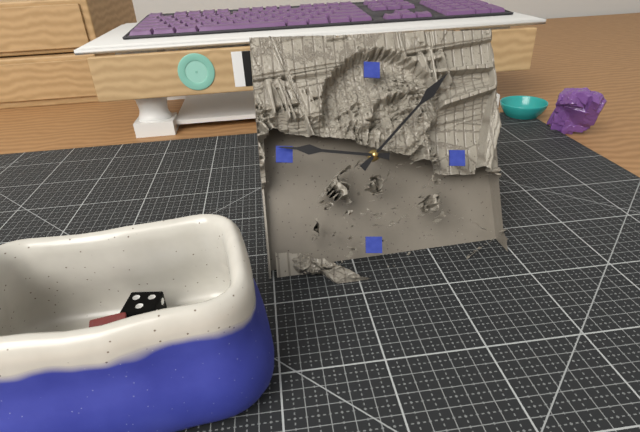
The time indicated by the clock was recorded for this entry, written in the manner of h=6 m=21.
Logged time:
h=9 m=7
